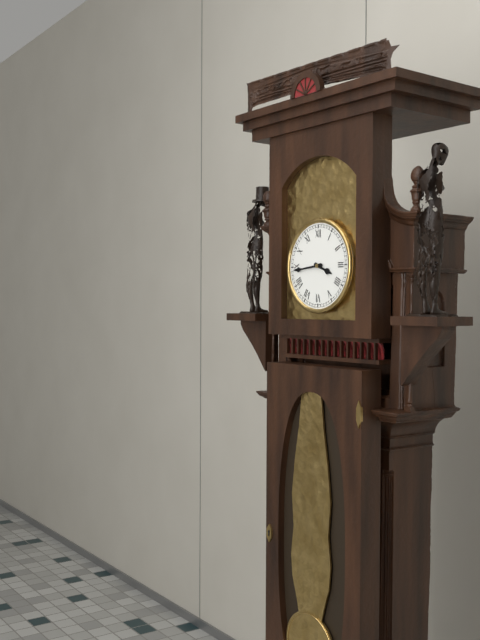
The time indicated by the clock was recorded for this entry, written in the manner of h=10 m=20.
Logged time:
h=3 m=44
